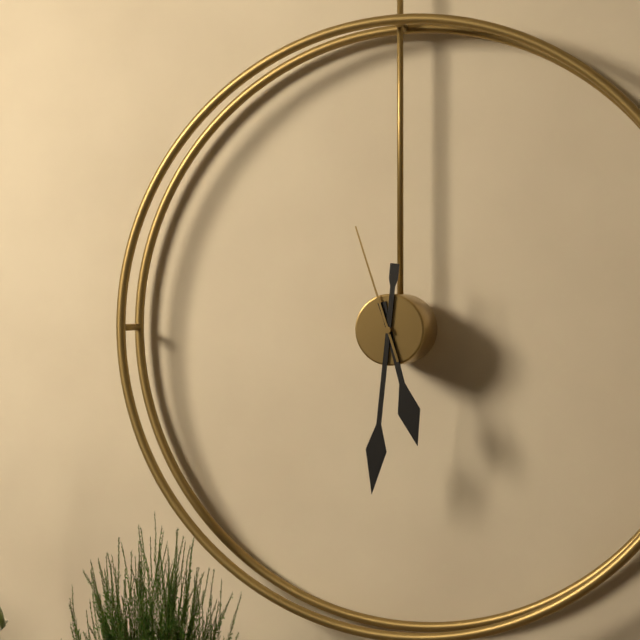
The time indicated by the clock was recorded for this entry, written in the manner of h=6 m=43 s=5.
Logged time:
h=5 m=31 s=57
